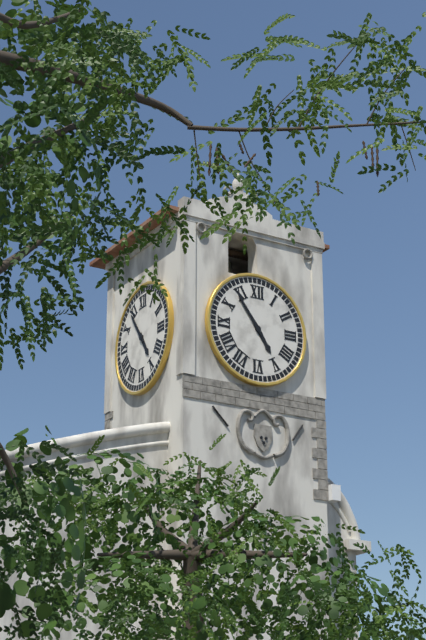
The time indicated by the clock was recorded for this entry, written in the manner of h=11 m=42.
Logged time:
h=4 m=54
